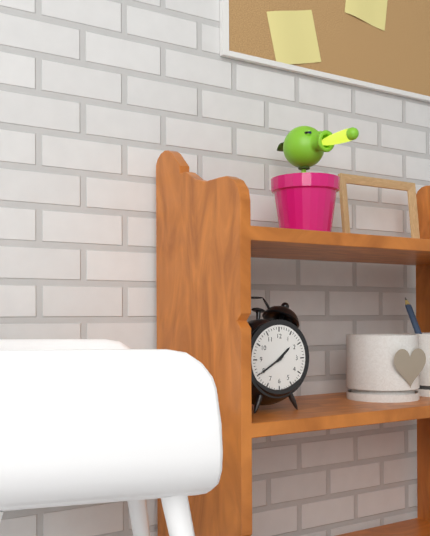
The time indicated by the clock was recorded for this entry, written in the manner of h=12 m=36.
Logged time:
h=1 m=40
